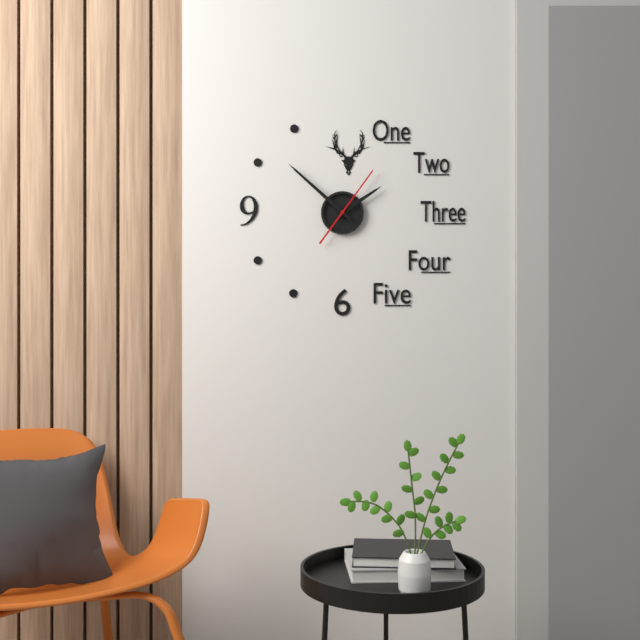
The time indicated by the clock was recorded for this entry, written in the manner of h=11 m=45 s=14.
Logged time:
h=1 m=52 s=6
